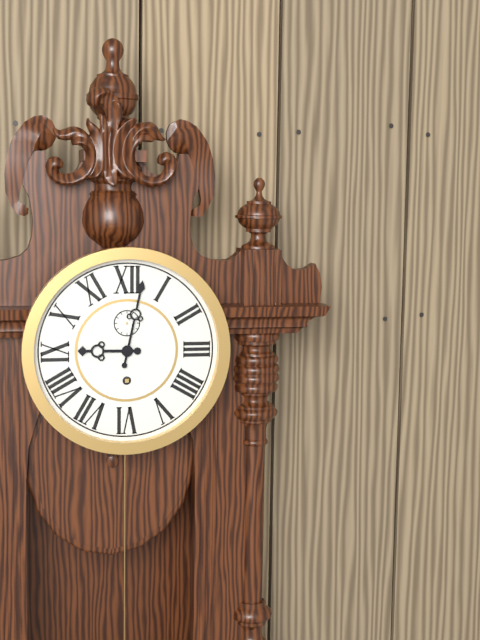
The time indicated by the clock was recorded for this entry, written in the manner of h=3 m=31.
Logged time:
h=9 m=2
